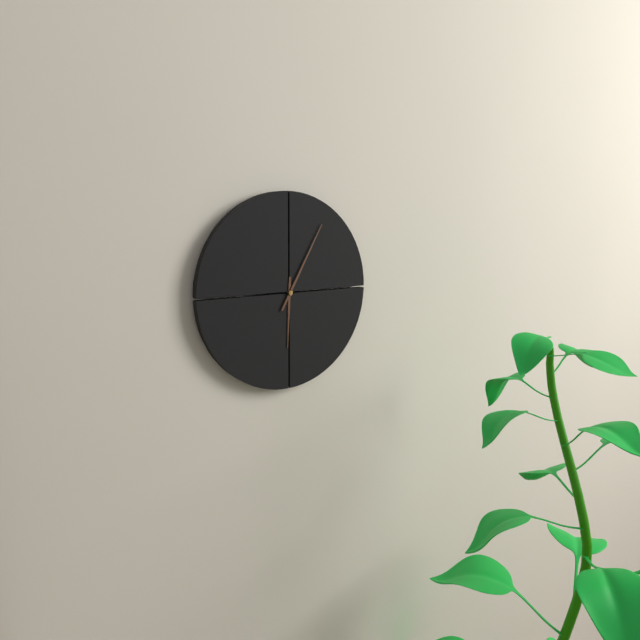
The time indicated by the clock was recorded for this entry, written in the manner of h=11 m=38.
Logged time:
h=6 m=5
